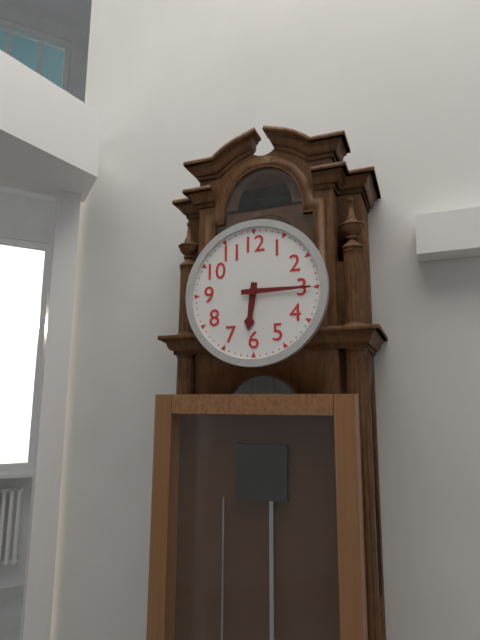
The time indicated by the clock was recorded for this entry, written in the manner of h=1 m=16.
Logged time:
h=6 m=15
